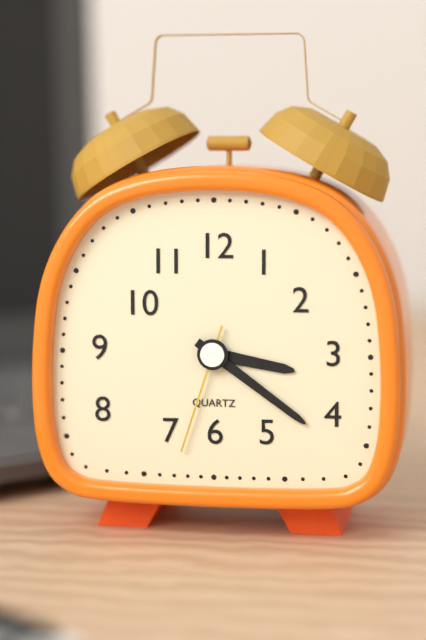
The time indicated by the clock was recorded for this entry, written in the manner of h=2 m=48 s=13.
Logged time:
h=3 m=21 s=33
